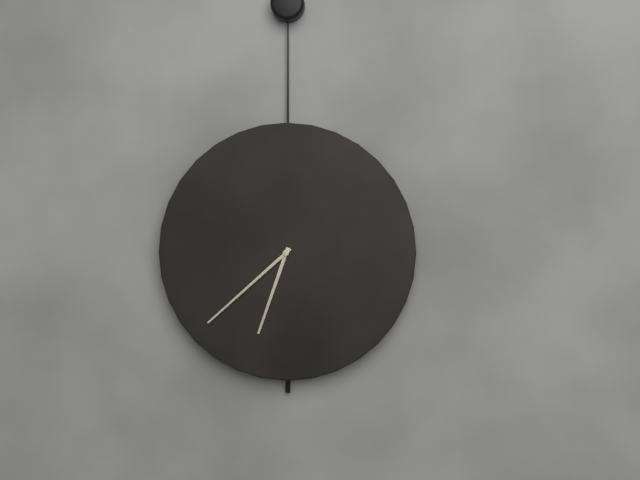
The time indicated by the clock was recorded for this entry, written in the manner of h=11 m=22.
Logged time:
h=6 m=38
